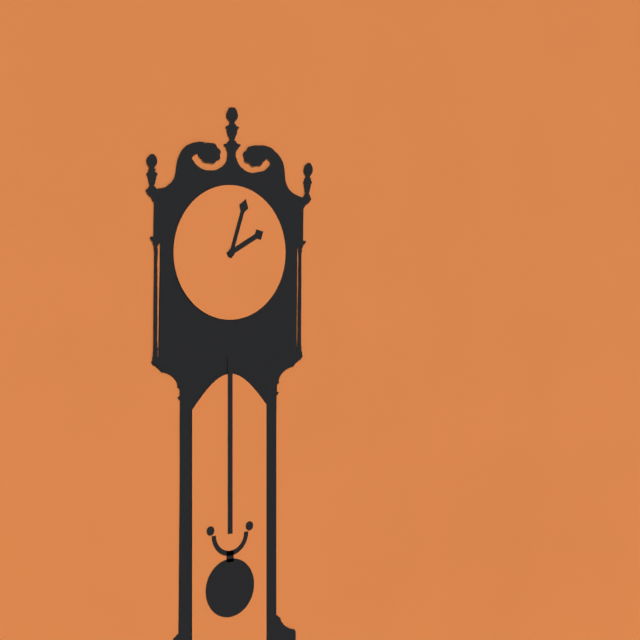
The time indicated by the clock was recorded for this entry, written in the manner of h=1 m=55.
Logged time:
h=2 m=3
